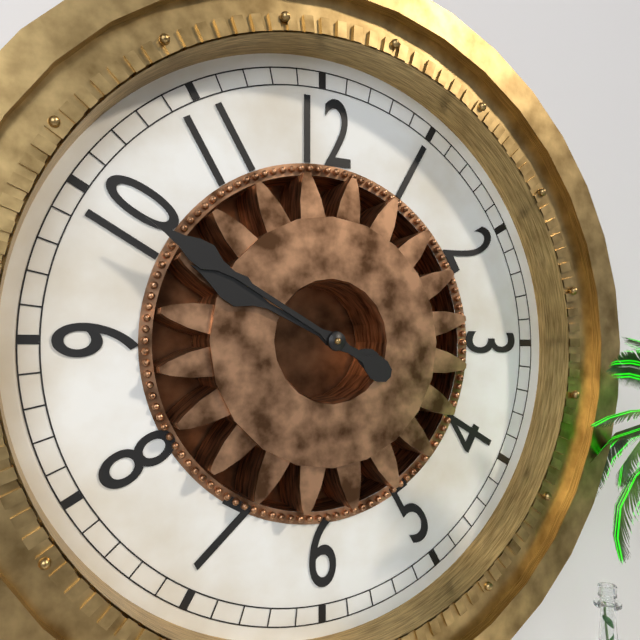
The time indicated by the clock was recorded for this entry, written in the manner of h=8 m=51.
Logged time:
h=9 m=50
